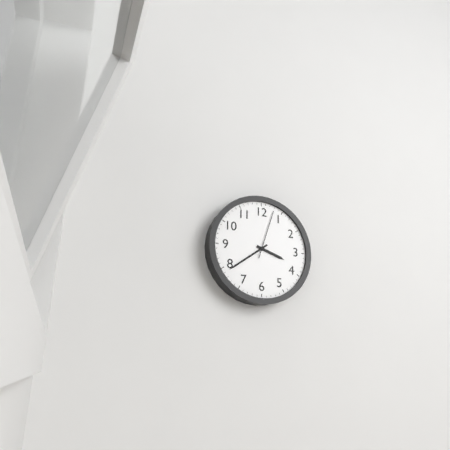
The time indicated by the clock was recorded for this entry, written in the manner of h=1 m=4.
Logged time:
h=3 m=39
